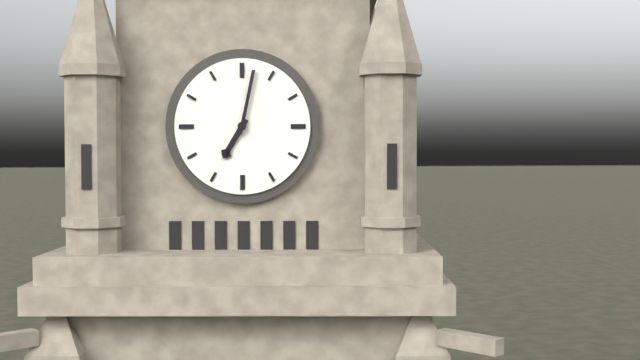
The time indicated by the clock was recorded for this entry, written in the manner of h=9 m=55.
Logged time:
h=7 m=2
